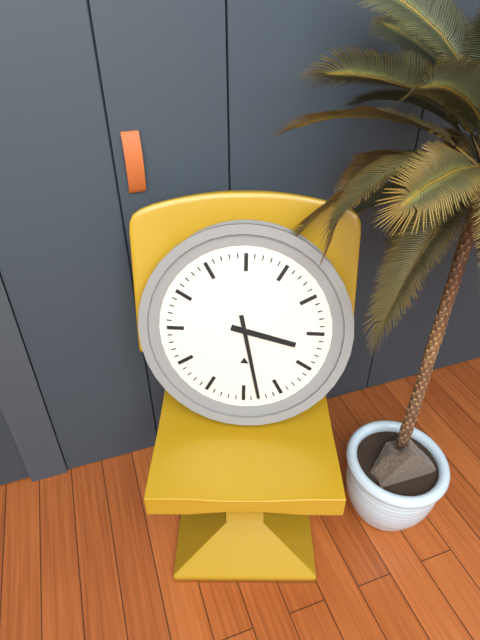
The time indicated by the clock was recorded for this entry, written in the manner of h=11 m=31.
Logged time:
h=3 m=28
